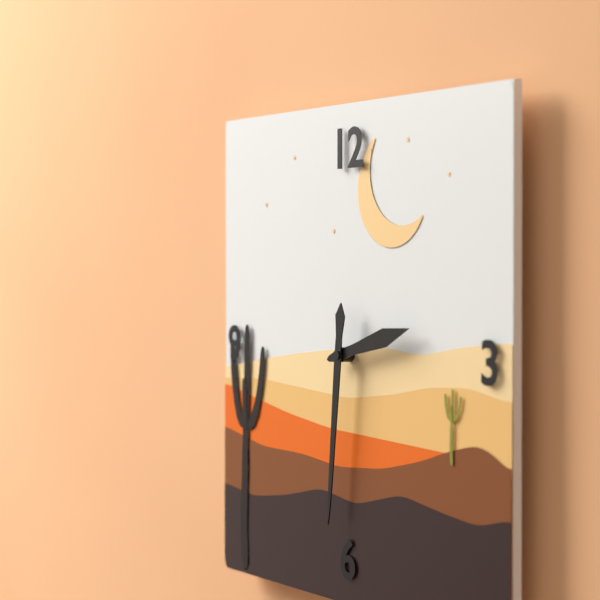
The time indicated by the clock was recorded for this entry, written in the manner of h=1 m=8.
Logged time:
h=2 m=31
